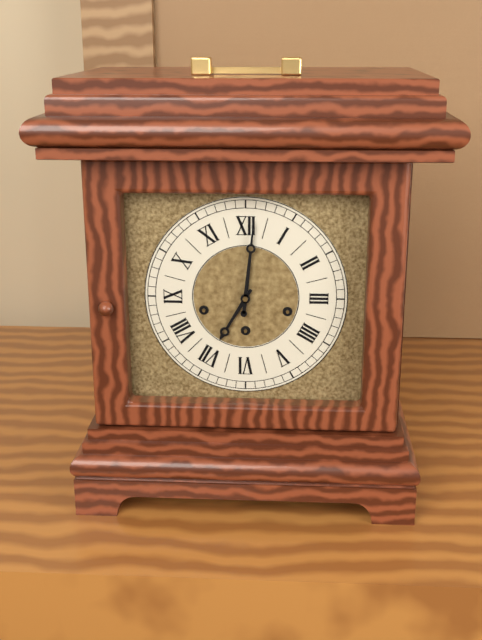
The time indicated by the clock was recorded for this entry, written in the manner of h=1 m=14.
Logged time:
h=7 m=1
